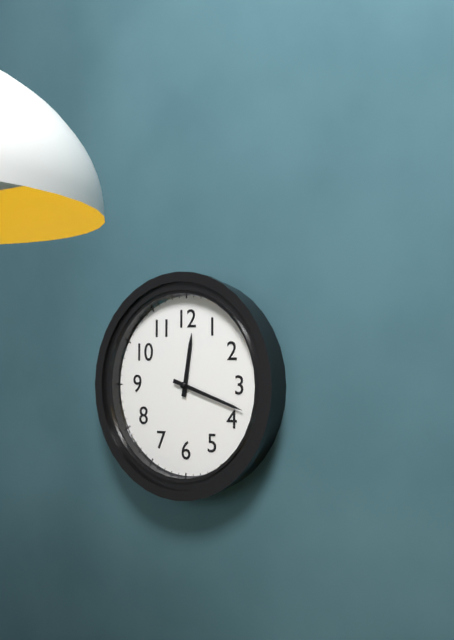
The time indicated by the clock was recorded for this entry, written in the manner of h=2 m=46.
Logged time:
h=12 m=18
